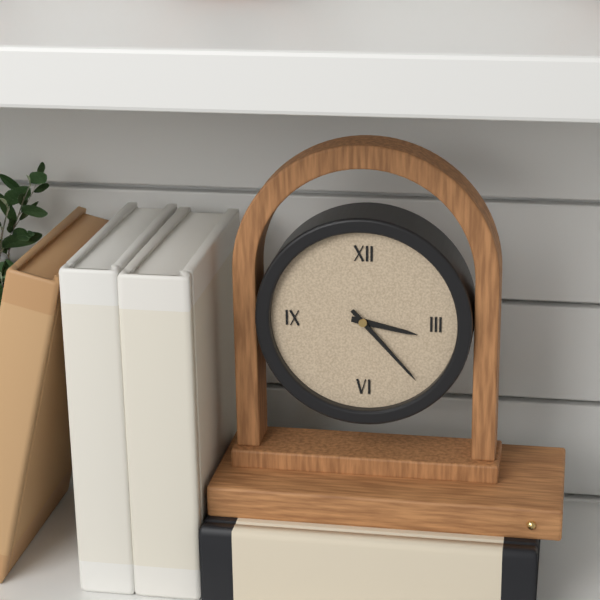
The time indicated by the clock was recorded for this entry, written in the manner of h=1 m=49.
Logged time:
h=3 m=23
